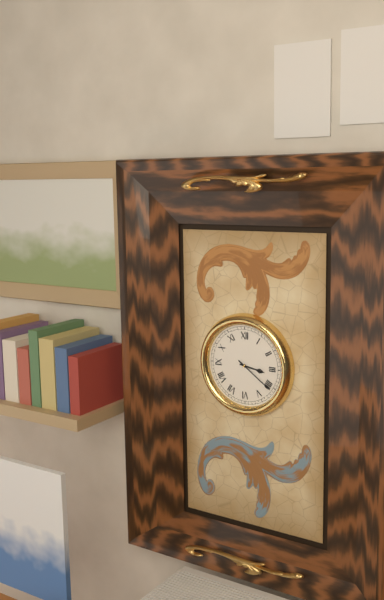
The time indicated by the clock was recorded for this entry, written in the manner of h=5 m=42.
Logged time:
h=3 m=21
